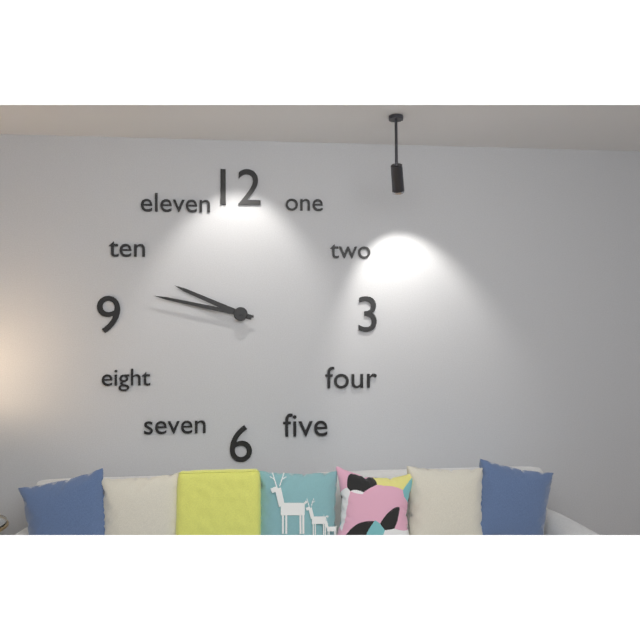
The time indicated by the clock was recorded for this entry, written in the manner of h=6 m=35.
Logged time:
h=9 m=47
